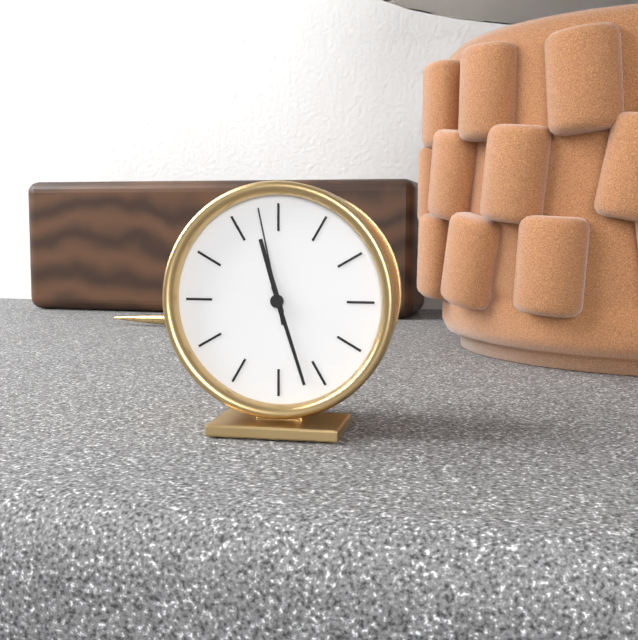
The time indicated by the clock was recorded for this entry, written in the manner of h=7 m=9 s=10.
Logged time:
h=11 m=27 s=58
